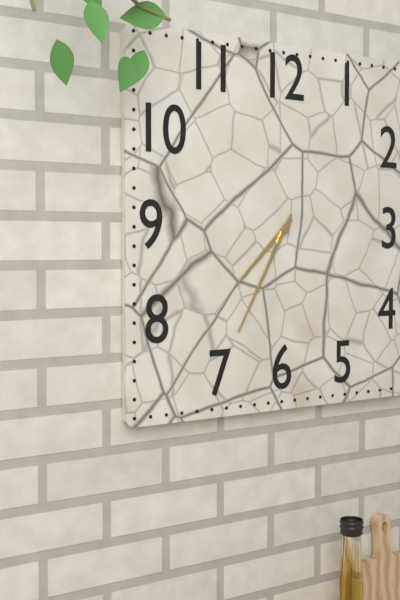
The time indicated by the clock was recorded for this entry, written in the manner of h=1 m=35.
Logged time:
h=7 m=35
